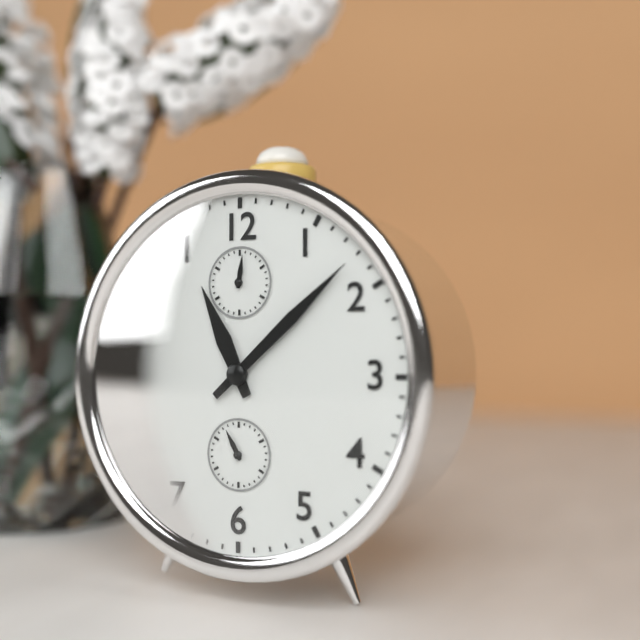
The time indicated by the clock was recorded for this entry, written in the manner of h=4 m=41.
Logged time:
h=11 m=8
